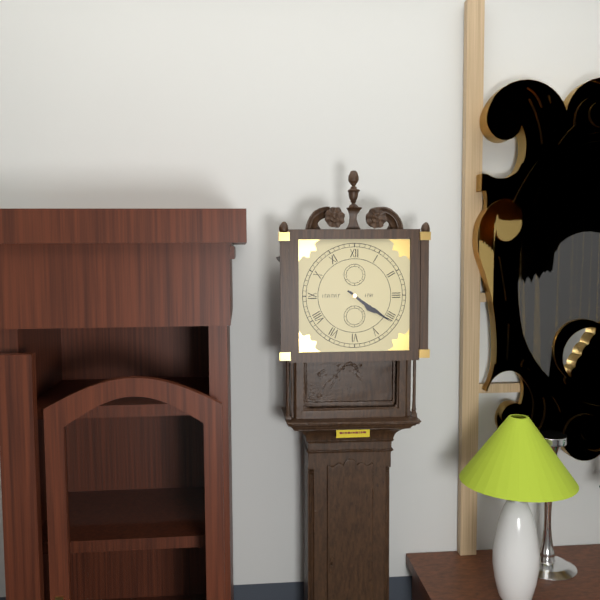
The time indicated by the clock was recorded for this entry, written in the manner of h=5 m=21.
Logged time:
h=4 m=21
